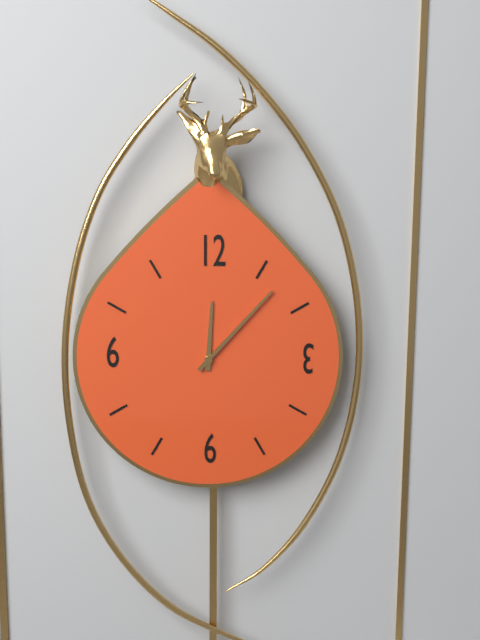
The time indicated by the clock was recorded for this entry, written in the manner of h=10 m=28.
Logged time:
h=12 m=7
